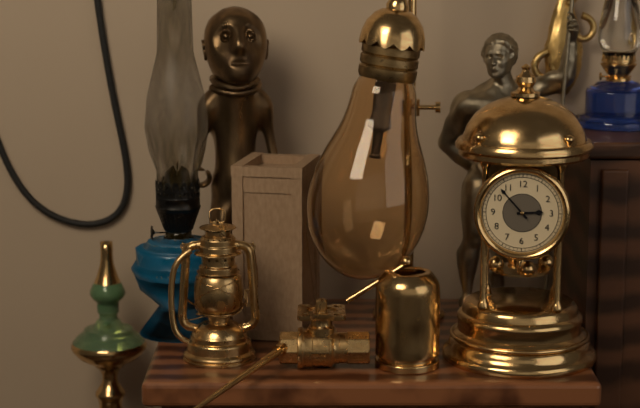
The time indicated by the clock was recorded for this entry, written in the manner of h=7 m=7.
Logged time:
h=2 m=53
